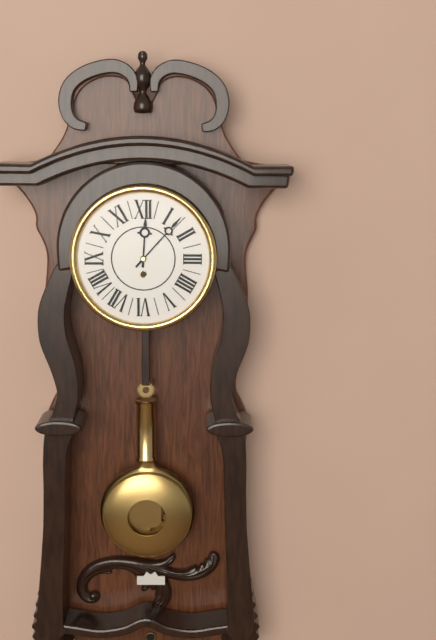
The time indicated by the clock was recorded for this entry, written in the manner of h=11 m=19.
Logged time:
h=12 m=7
